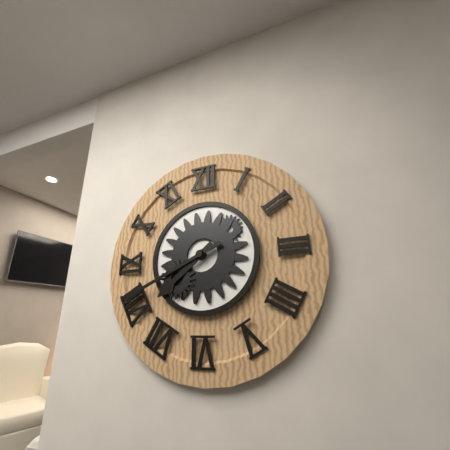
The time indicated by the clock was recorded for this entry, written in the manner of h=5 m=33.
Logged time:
h=7 m=41
